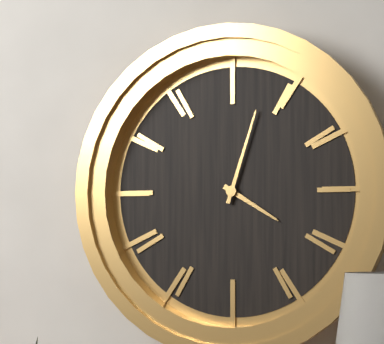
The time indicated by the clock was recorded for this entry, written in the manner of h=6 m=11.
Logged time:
h=4 m=3
